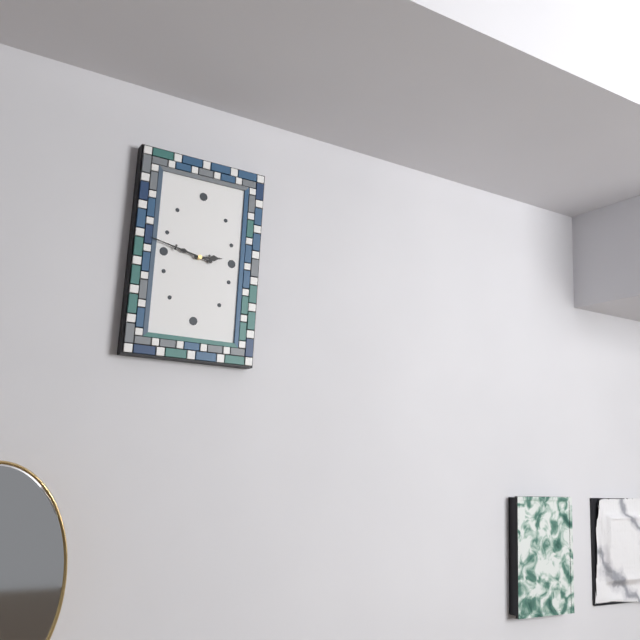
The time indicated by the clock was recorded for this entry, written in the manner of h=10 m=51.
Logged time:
h=2 m=47
